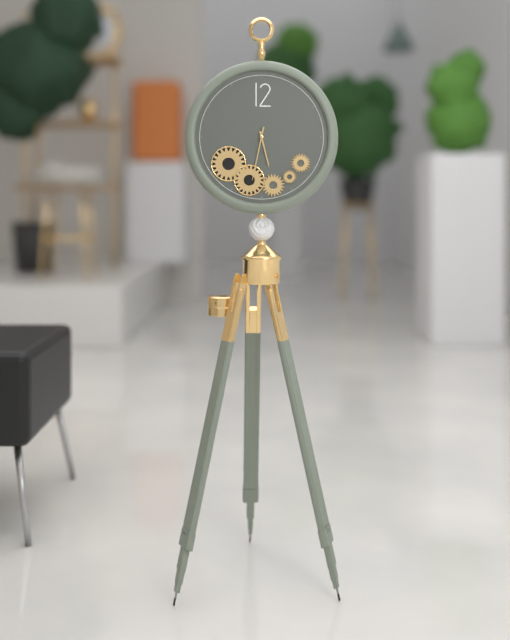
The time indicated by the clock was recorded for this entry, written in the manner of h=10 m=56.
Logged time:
h=5 m=32
